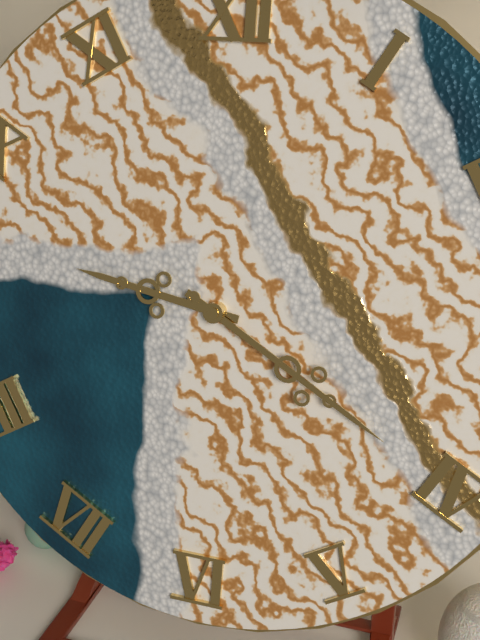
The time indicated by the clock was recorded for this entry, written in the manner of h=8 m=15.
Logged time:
h=9 m=20
